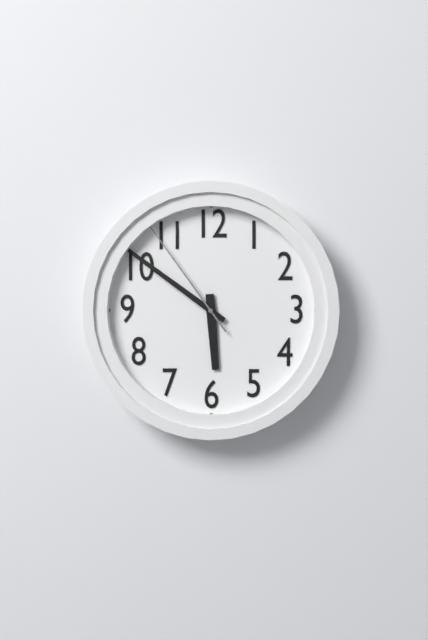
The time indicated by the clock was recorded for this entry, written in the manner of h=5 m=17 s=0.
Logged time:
h=5 m=51 s=54
